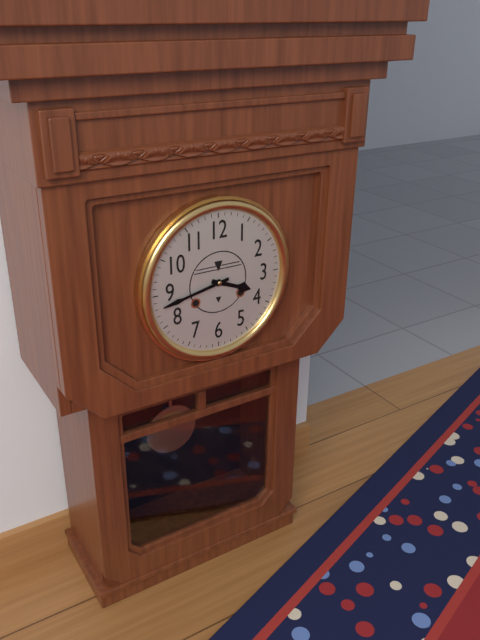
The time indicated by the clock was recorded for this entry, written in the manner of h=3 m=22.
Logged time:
h=3 m=43
